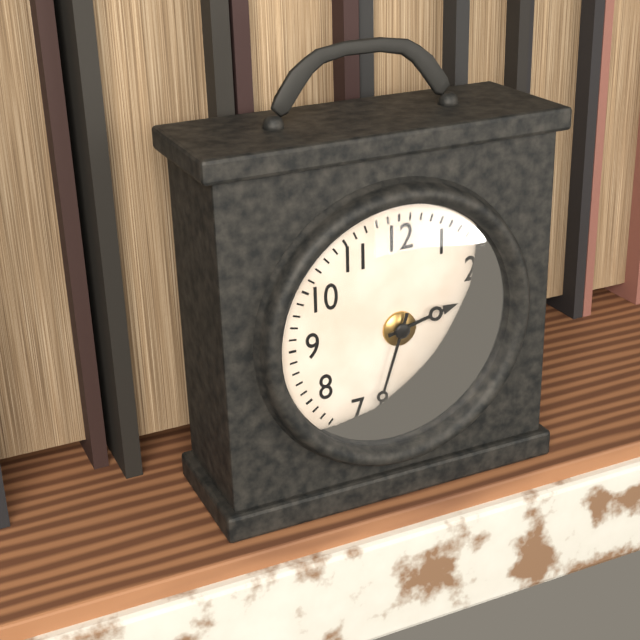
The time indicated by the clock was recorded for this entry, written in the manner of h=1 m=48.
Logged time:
h=2 m=33
